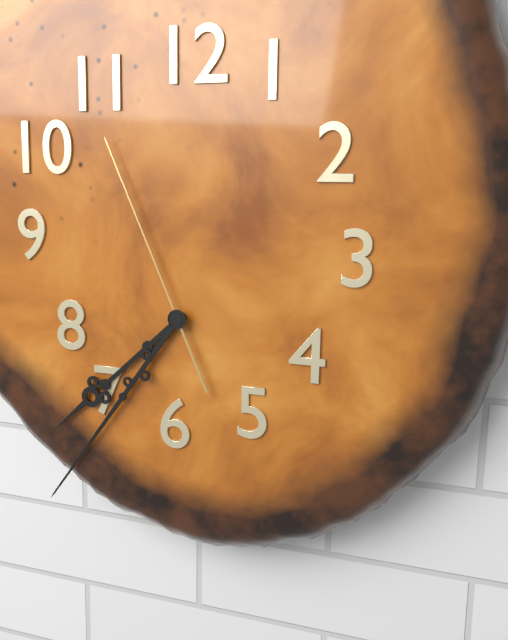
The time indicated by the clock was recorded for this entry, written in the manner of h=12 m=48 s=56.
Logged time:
h=7 m=36 s=56
